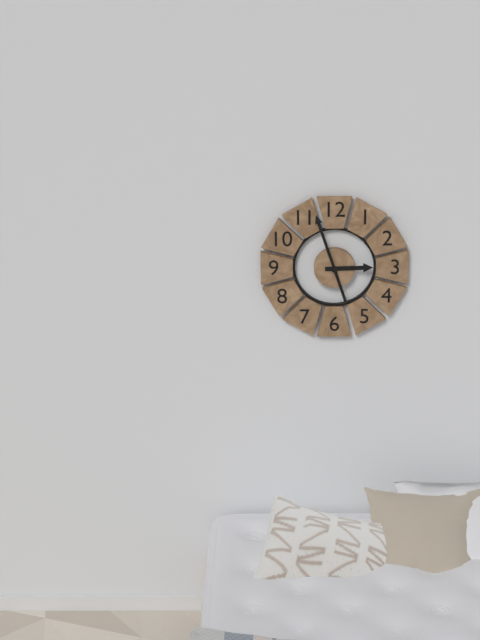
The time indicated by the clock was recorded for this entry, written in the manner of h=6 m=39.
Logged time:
h=2 m=57
